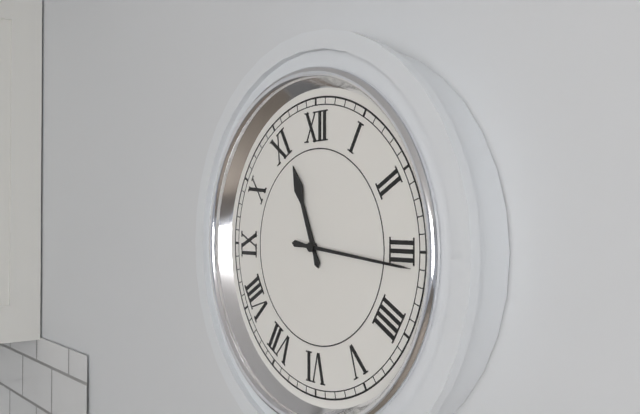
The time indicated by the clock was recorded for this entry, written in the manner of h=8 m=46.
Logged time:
h=11 m=16
